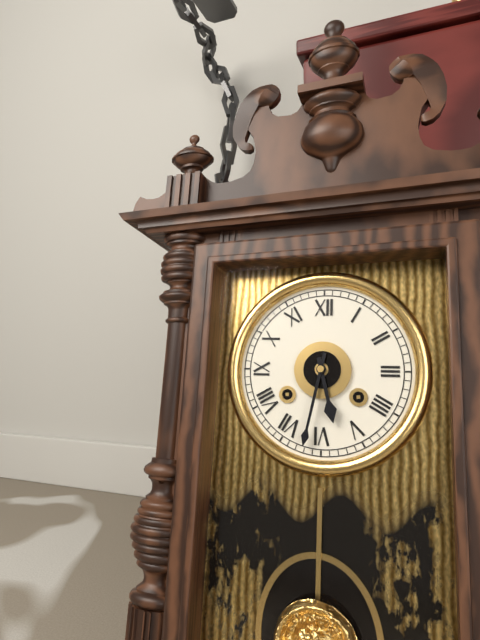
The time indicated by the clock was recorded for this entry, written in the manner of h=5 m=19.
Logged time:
h=5 m=32
